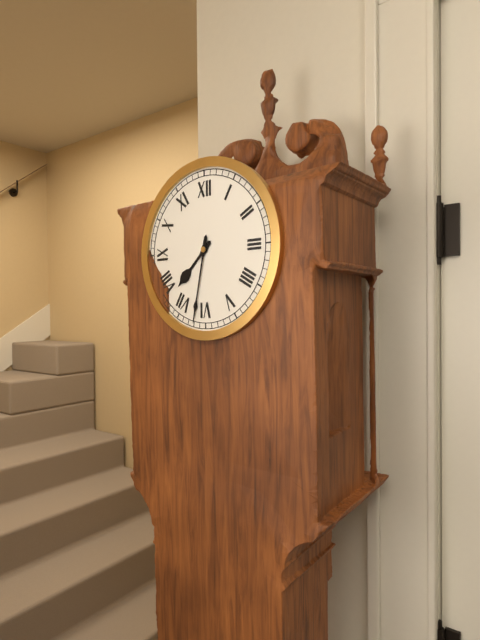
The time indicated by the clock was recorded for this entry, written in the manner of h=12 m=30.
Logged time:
h=7 m=32
